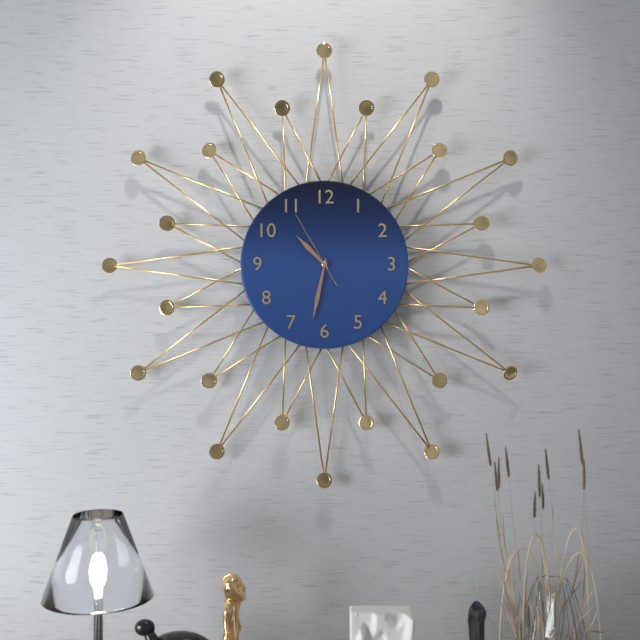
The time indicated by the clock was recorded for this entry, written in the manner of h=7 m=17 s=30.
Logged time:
h=10 m=32 s=55
